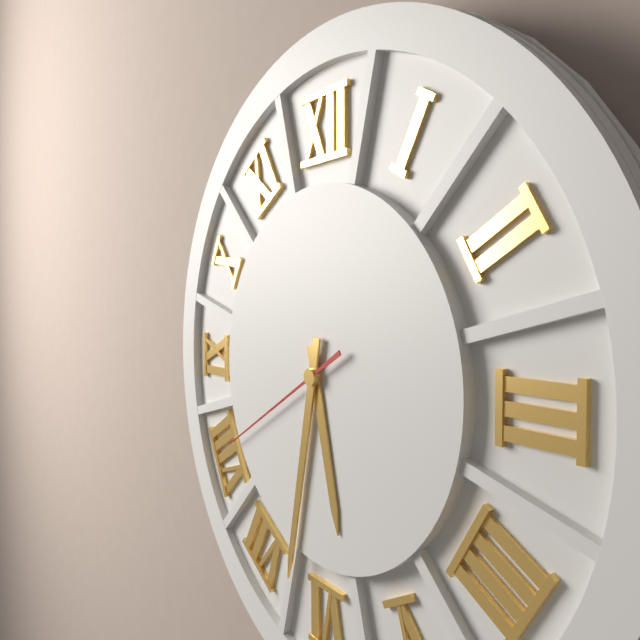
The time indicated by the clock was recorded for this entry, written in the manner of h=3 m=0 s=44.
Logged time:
h=5 m=32 s=40
